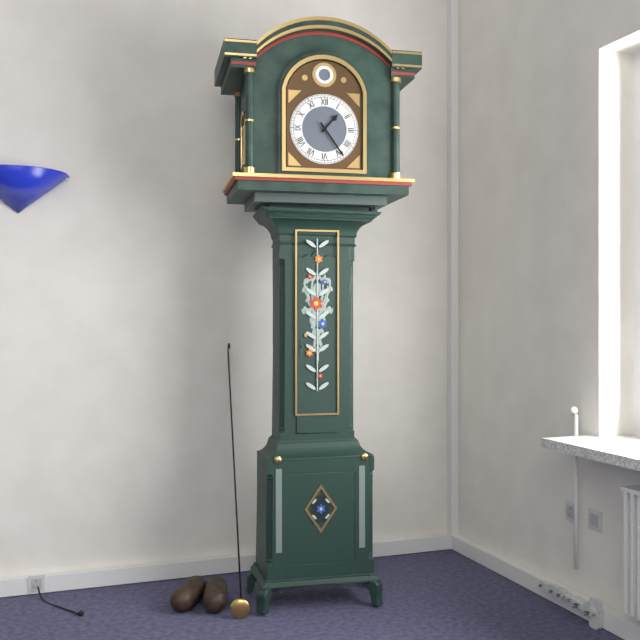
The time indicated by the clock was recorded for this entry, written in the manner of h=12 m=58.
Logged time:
h=1 m=24
